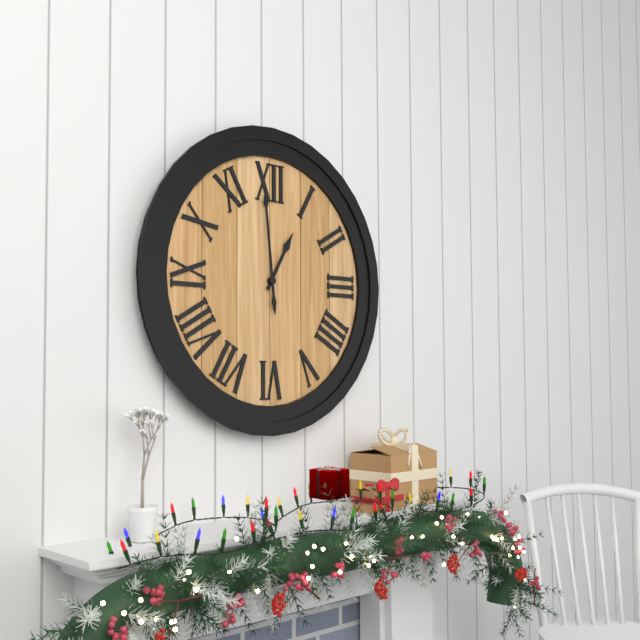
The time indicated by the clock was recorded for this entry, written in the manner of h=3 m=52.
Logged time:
h=12 m=59
